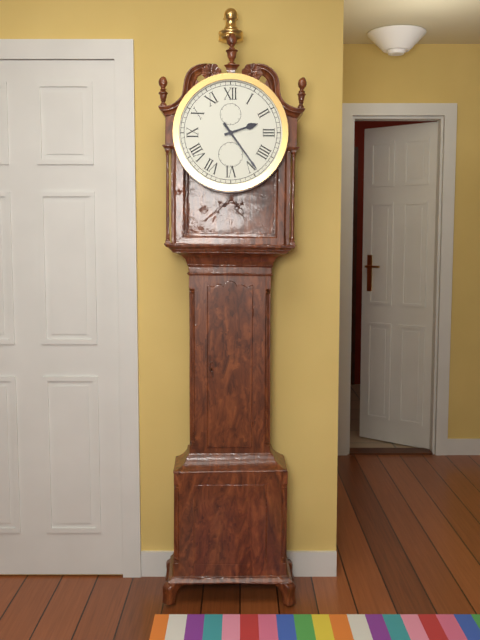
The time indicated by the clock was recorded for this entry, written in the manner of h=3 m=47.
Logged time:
h=2 m=24
